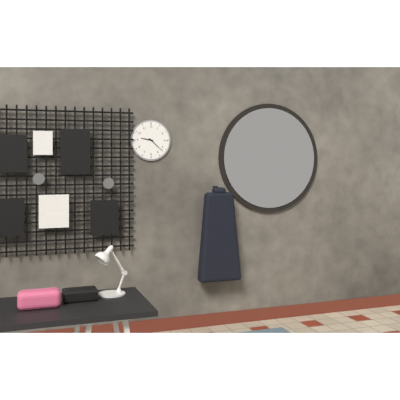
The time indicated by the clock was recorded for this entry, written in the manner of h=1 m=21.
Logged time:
h=9 m=22
